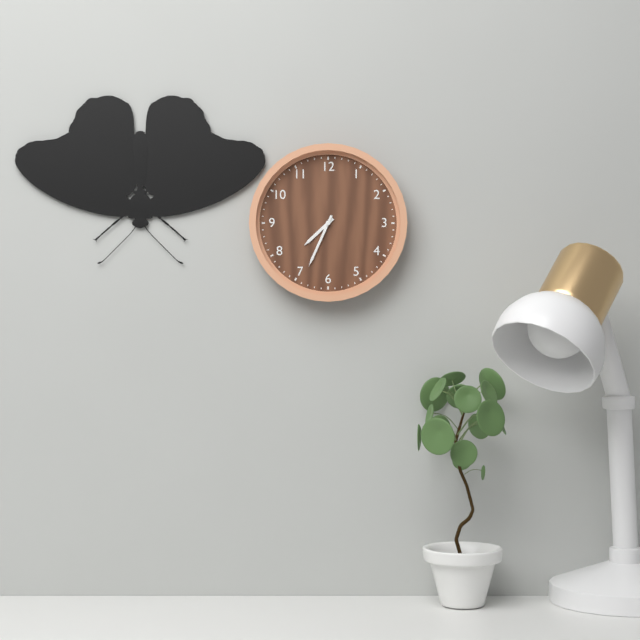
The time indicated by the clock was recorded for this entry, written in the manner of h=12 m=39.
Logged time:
h=7 m=34
